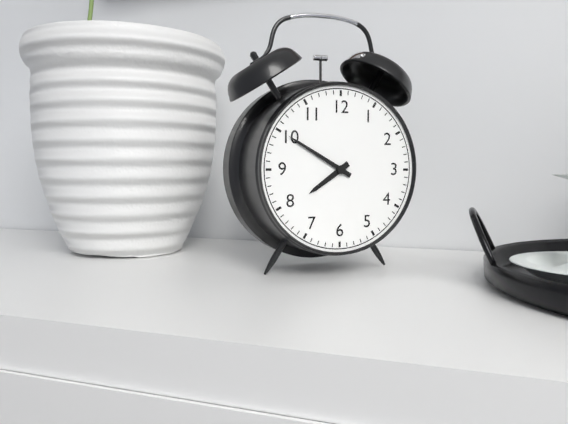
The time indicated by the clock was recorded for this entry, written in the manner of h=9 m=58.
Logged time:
h=7 m=50
